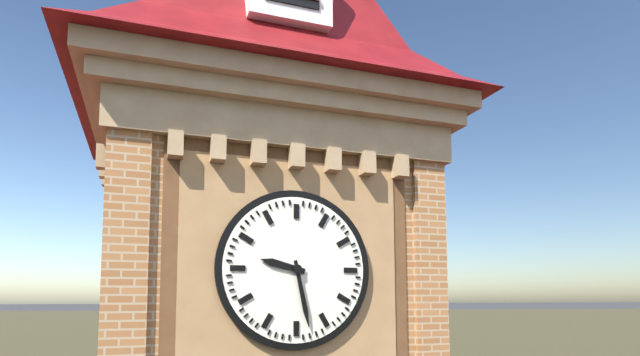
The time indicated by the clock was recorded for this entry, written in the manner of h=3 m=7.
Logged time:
h=9 m=28
